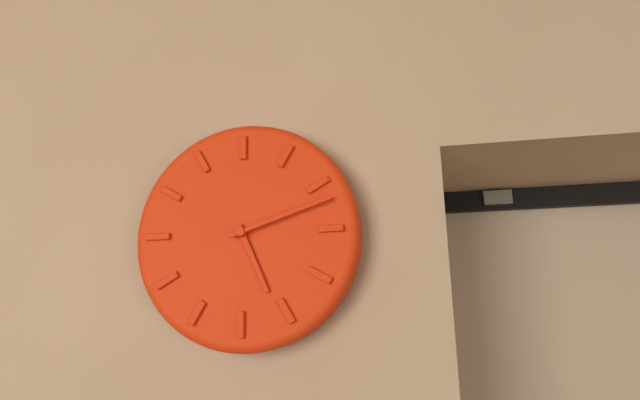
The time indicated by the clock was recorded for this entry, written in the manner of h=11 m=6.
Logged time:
h=5 m=12
